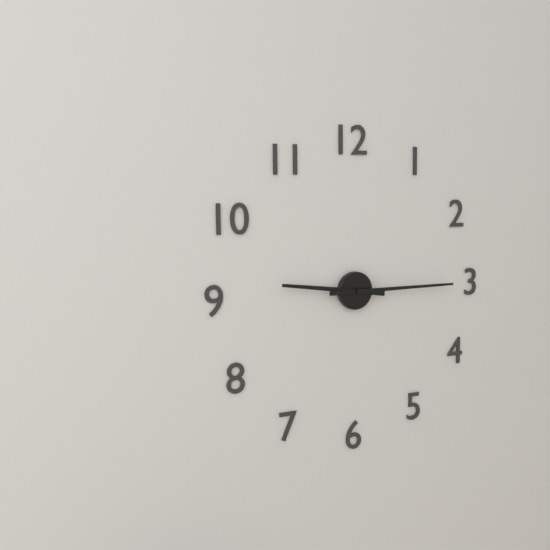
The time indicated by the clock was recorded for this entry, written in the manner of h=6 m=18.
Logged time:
h=9 m=15
